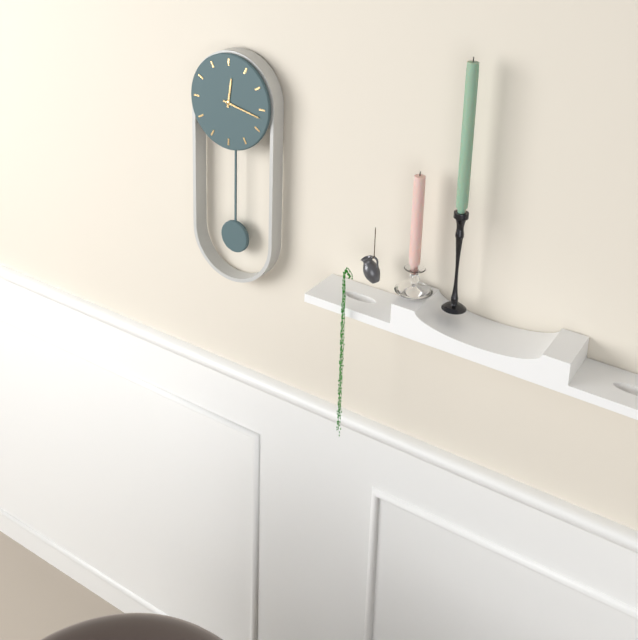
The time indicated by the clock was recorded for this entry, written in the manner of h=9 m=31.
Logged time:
h=12 m=17
